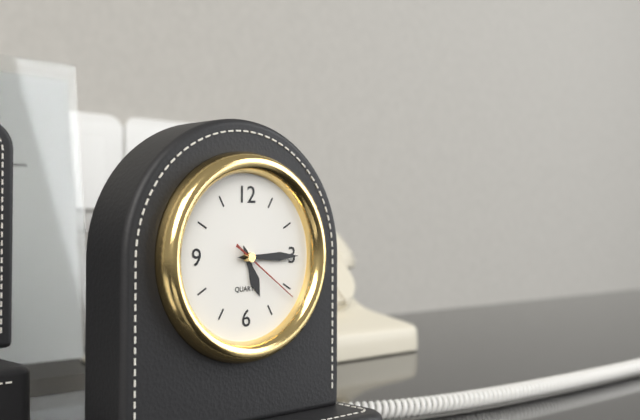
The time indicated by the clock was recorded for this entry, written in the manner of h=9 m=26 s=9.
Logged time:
h=5 m=15 s=21
